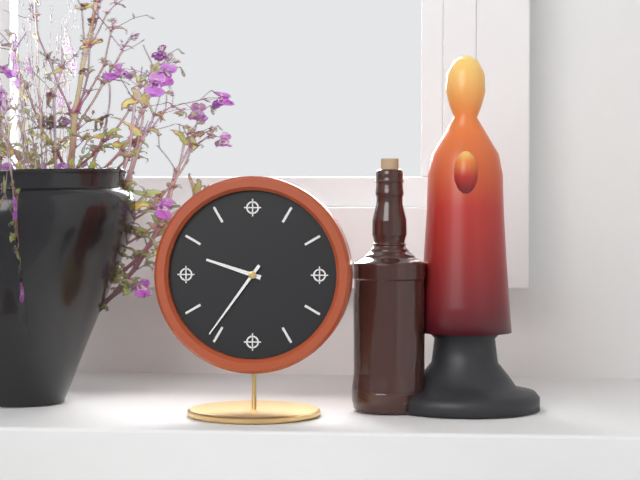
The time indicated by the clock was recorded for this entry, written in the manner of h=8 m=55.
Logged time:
h=9 m=36
